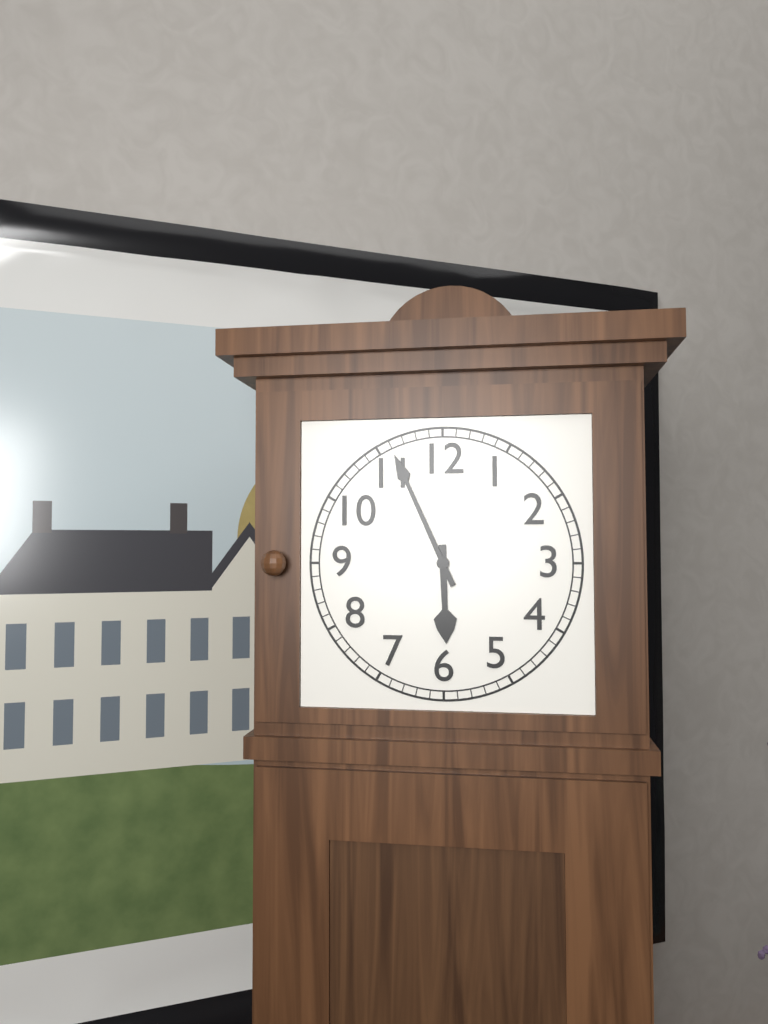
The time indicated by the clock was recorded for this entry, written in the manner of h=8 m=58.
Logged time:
h=5 m=56
